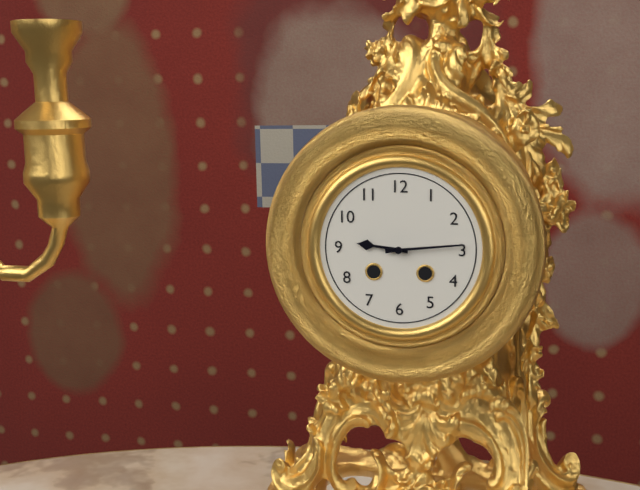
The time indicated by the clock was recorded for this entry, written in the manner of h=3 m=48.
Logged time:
h=9 m=14
